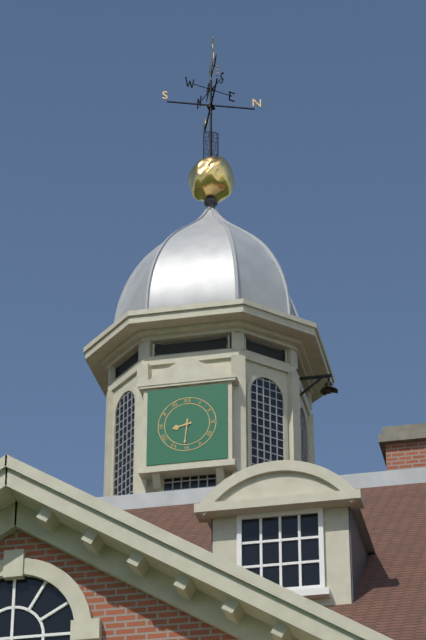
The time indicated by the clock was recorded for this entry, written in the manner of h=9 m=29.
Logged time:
h=8 m=31
